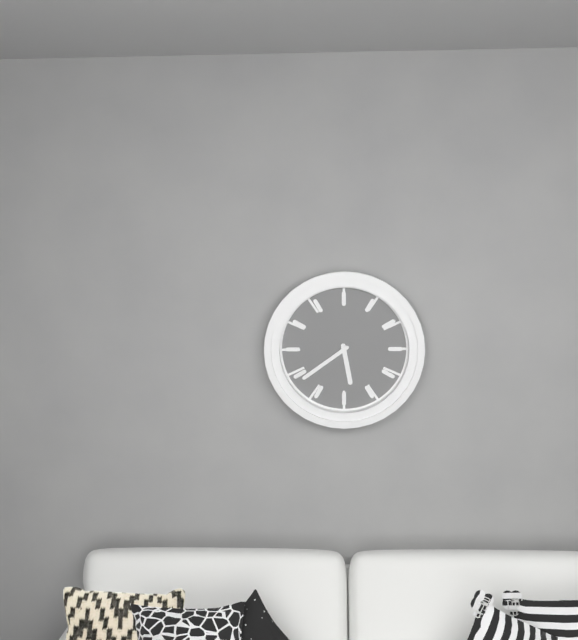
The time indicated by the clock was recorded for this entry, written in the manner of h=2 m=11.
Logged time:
h=5 m=39
